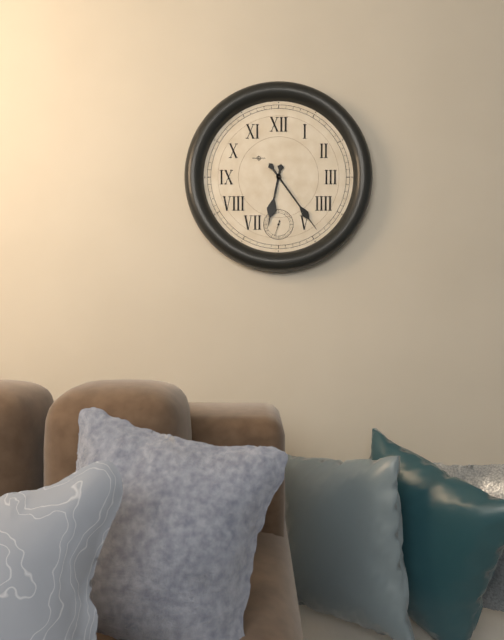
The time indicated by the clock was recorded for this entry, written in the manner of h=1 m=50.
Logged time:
h=6 m=24
